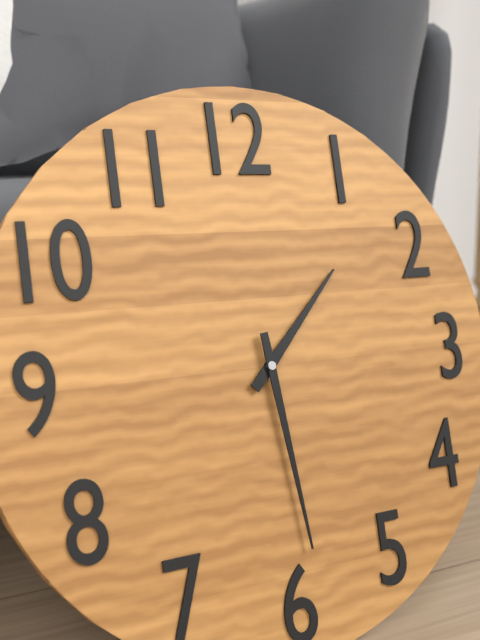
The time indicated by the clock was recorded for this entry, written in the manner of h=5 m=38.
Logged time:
h=1 m=29
